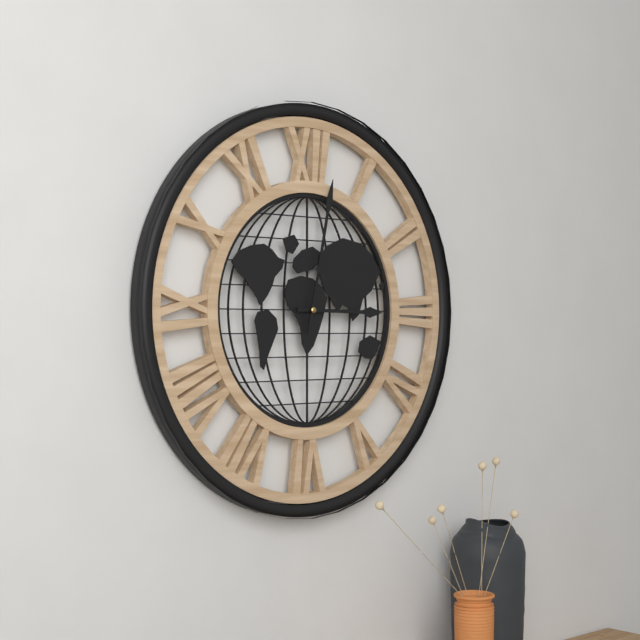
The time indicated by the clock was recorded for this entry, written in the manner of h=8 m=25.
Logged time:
h=3 m=2
